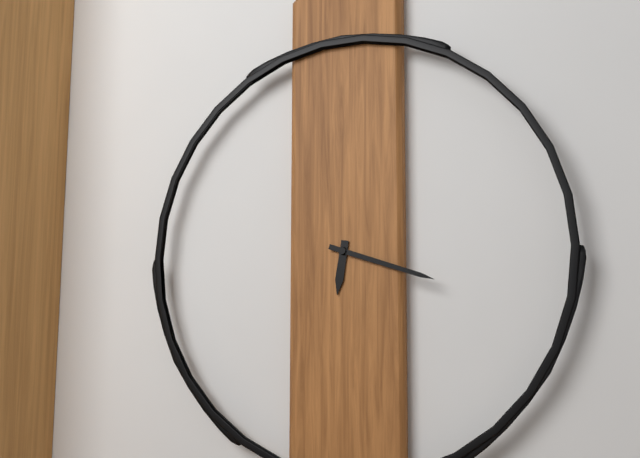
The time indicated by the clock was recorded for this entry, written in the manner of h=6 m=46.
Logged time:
h=6 m=18
